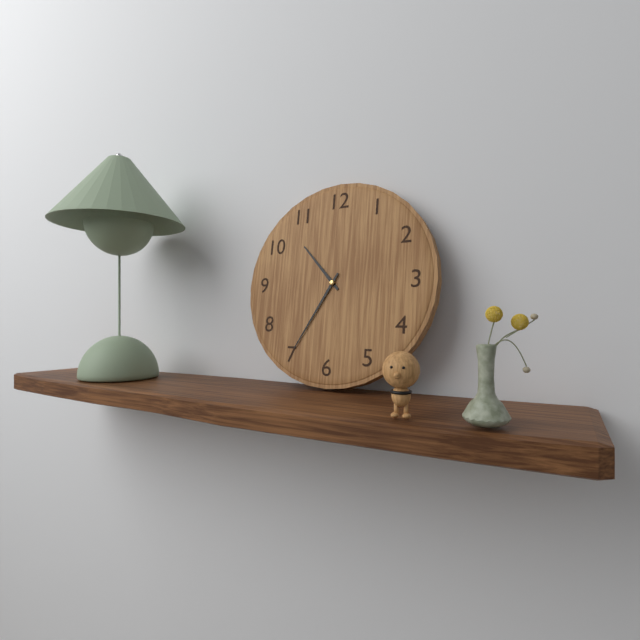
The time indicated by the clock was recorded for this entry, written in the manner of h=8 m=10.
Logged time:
h=10 m=35
